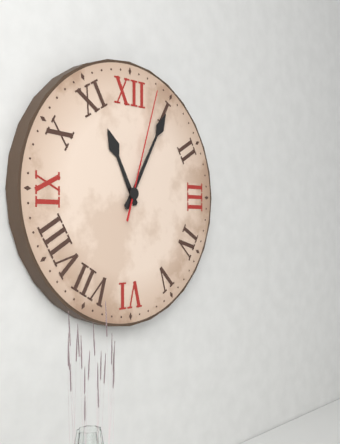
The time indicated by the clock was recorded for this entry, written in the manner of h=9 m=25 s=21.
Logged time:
h=11 m=5 s=3
